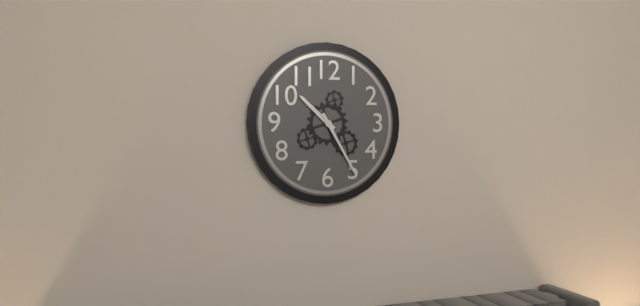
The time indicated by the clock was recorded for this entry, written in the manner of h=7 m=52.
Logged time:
h=10 m=25
